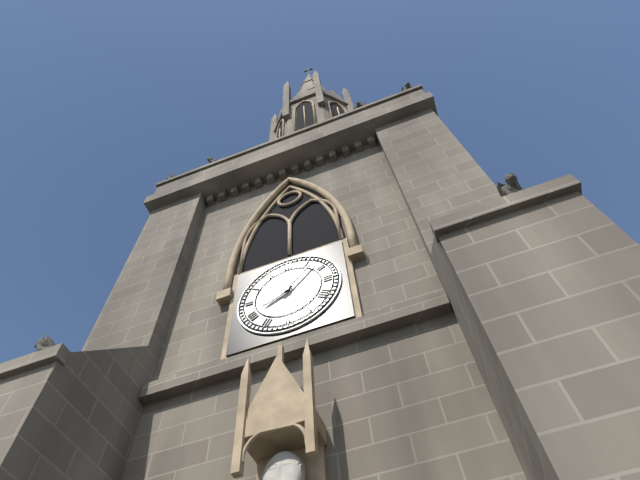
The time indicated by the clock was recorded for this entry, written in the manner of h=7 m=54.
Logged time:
h=8 m=7
